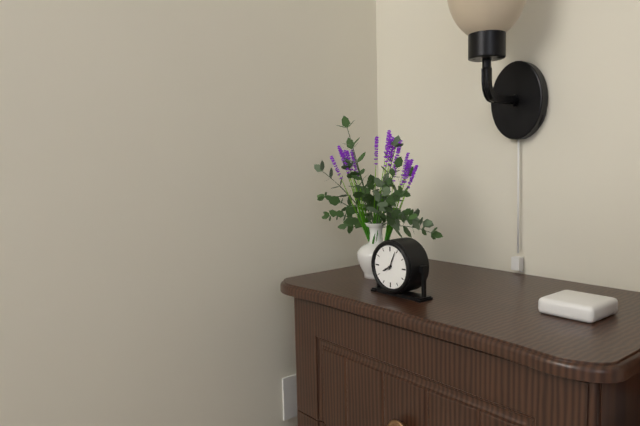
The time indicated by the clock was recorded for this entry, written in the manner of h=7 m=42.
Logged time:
h=8 m=4
